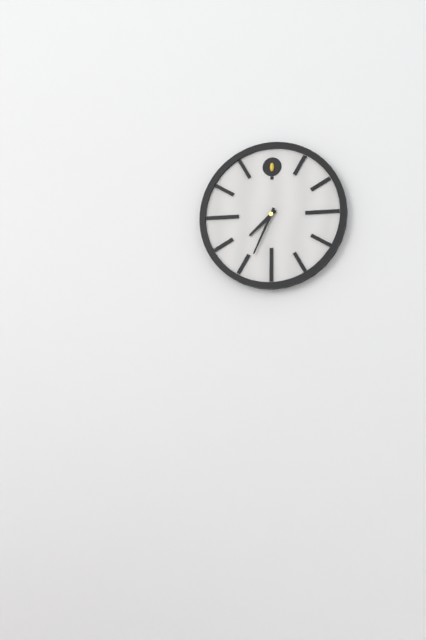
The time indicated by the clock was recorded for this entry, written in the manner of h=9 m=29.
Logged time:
h=7 m=34
